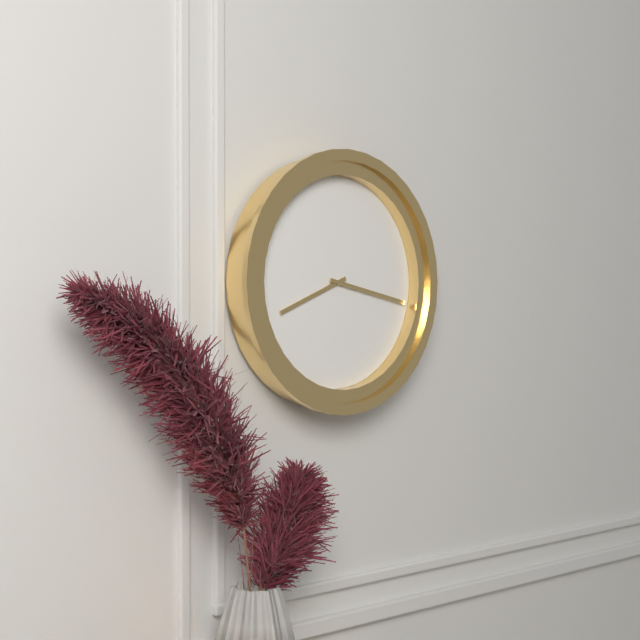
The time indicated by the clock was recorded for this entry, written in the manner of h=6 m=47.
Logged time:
h=8 m=17
